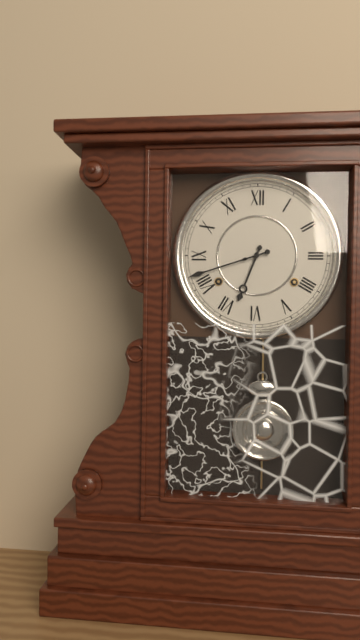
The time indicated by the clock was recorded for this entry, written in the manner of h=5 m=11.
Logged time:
h=6 m=42
